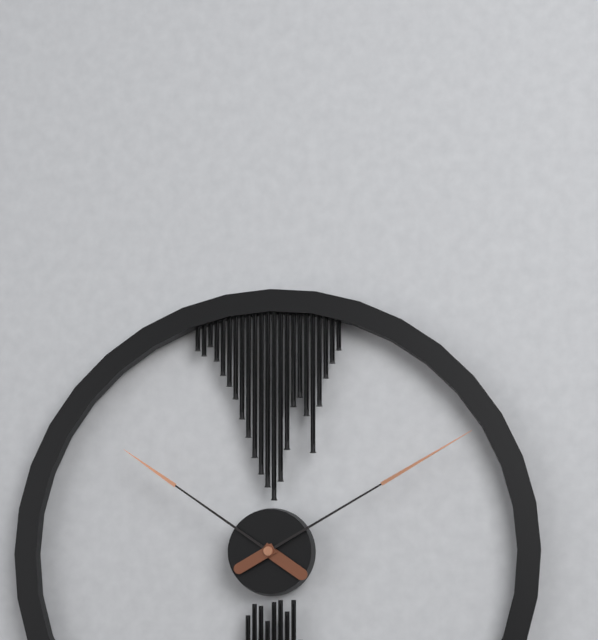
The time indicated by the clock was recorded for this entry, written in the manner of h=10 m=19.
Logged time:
h=10 m=10
